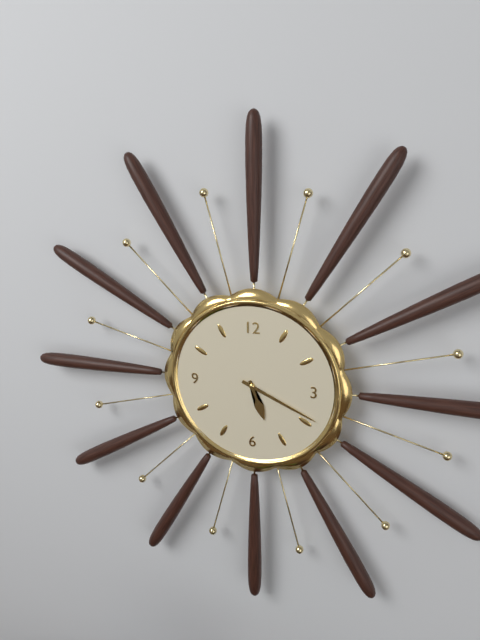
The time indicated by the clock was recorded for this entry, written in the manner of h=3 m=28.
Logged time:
h=5 m=19
